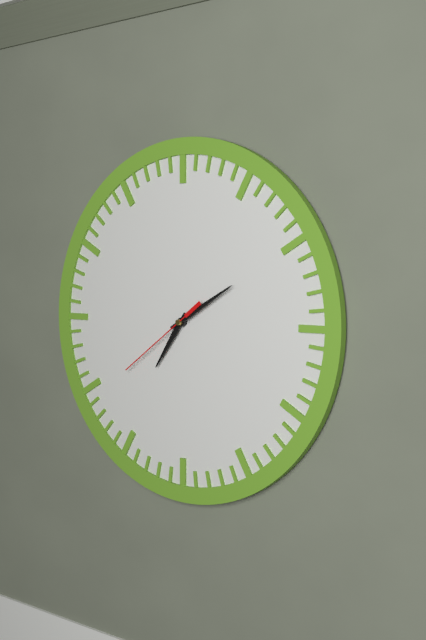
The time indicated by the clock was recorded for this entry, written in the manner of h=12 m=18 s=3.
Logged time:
h=7 m=10 s=39
